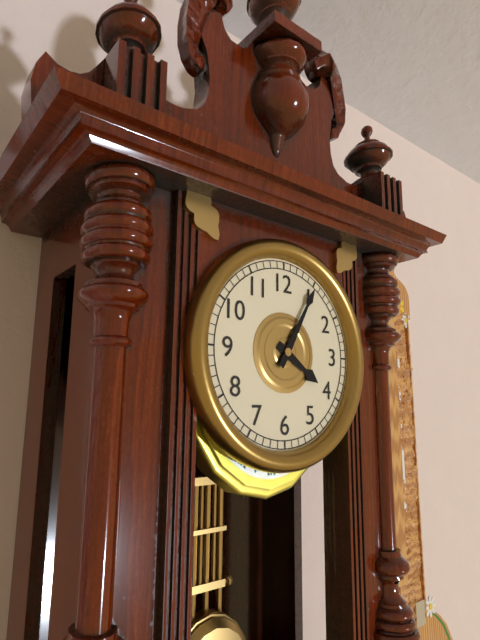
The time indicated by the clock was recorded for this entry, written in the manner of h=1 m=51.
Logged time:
h=4 m=5
